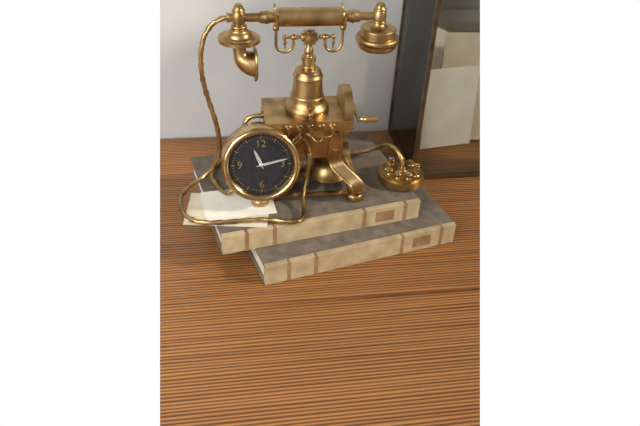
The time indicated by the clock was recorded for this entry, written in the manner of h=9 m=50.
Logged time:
h=11 m=13
